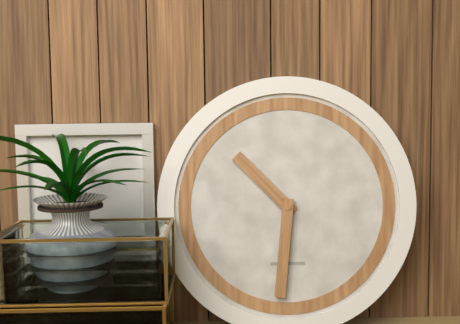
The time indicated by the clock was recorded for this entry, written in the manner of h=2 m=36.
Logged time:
h=10 m=31
